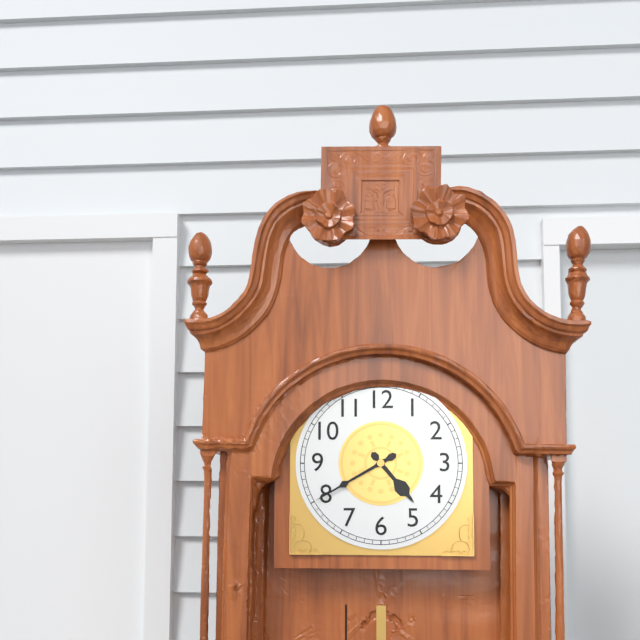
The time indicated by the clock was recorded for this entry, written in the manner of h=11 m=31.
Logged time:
h=4 m=40
